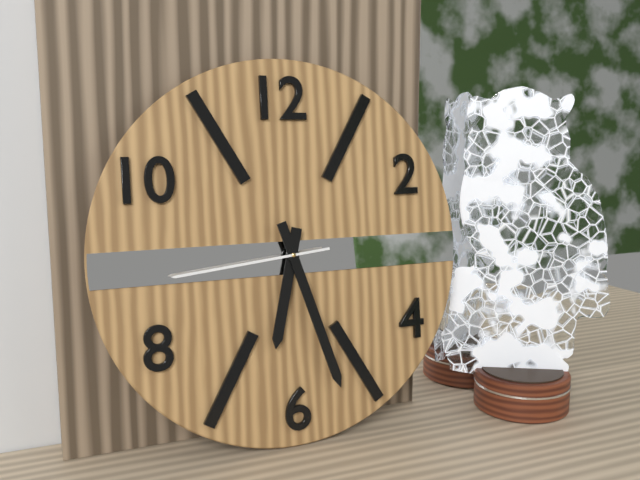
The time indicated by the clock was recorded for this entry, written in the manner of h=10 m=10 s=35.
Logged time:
h=6 m=27 s=44
